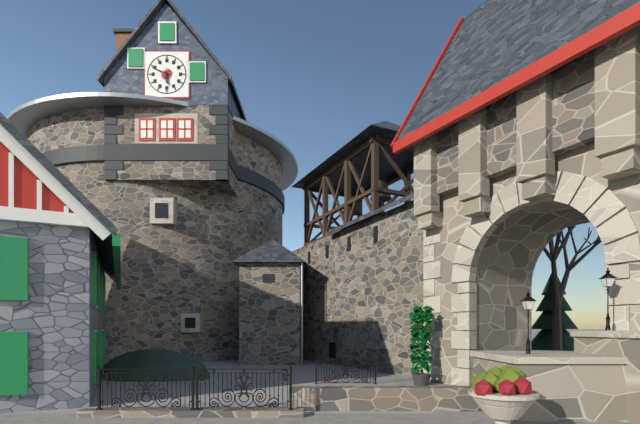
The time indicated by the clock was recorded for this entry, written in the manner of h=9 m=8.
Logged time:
h=5 m=49
